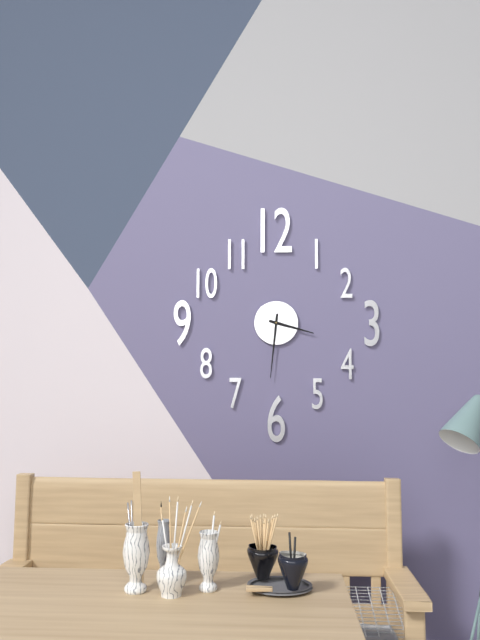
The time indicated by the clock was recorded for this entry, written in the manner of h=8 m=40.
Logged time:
h=3 m=31
